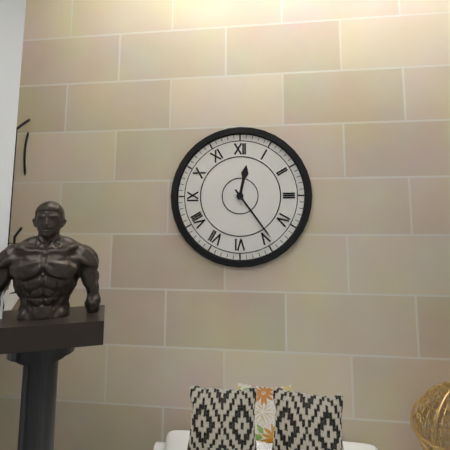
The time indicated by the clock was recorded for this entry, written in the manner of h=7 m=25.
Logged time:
h=12 m=24
